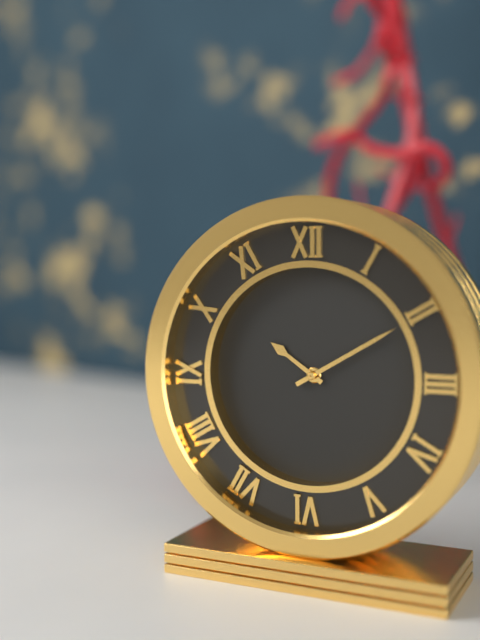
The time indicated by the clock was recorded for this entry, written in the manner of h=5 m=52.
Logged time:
h=10 m=10
